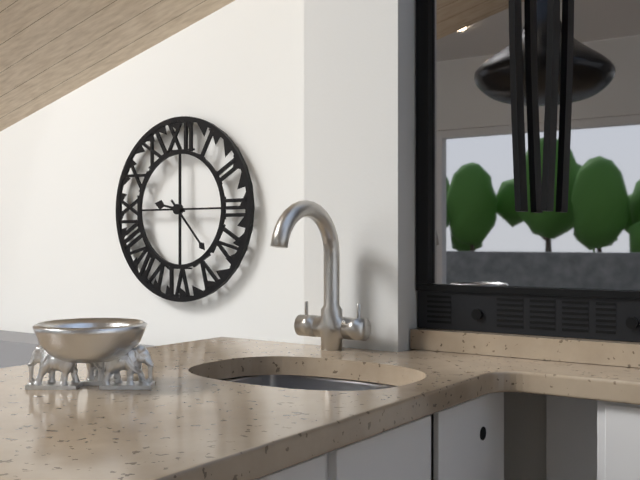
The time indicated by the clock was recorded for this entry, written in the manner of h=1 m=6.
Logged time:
h=9 m=23
